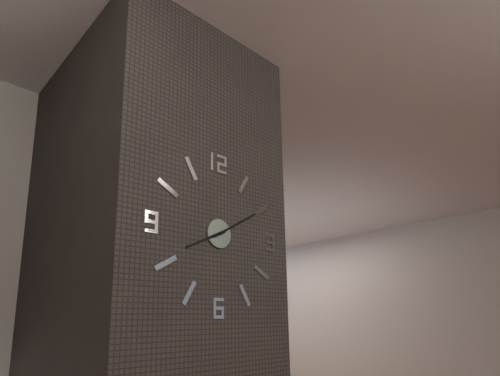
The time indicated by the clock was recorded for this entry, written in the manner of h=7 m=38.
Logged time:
h=8 m=10
